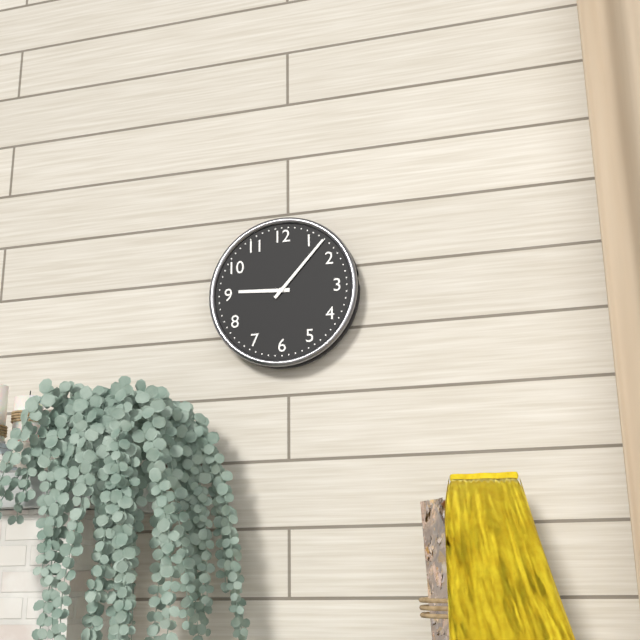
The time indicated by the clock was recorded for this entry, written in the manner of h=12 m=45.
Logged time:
h=9 m=7
